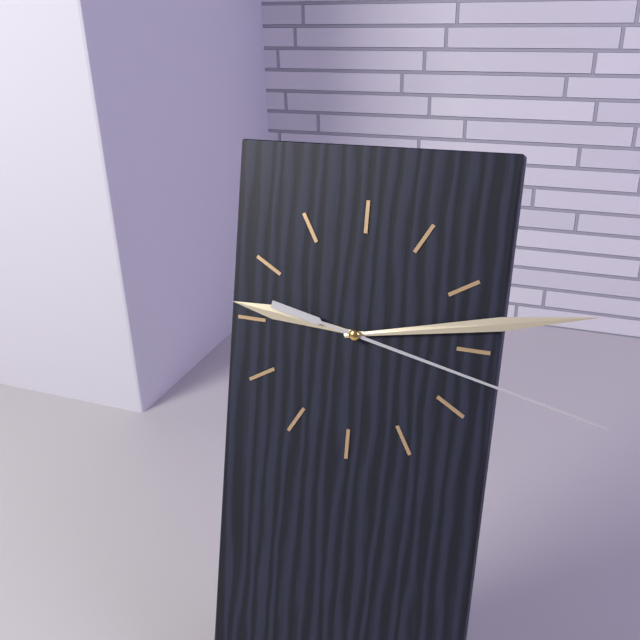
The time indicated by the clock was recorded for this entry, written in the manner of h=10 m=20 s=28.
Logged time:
h=9 m=13 s=17
